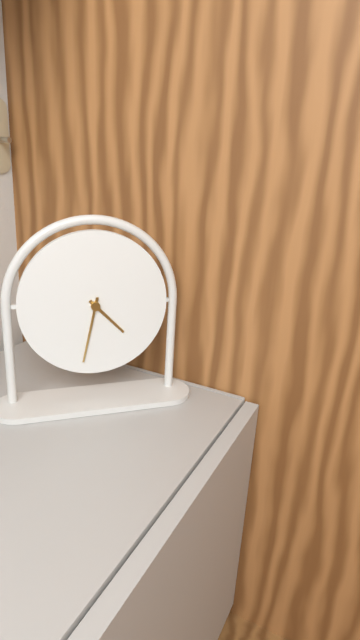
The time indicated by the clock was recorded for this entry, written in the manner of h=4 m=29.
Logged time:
h=4 m=32
